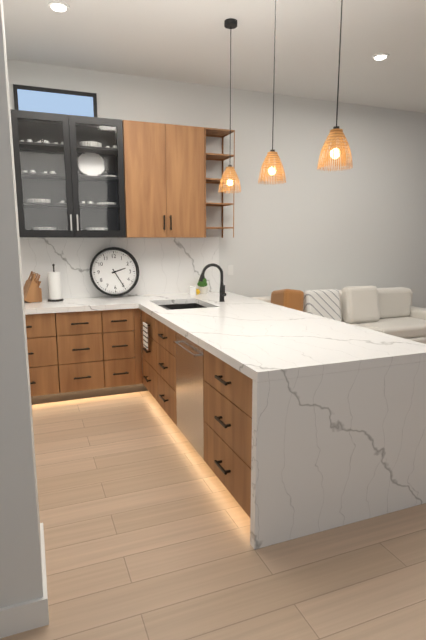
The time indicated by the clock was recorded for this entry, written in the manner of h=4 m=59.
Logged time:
h=2 m=25
